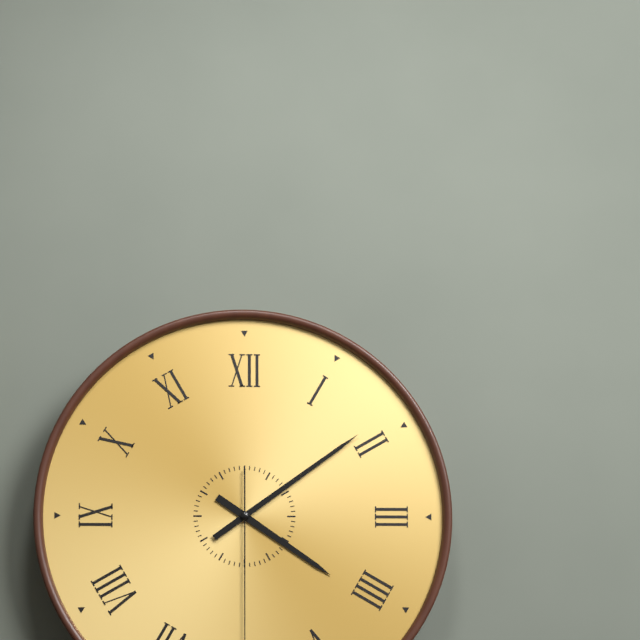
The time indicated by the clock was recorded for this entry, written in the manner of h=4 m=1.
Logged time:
h=4 m=9
